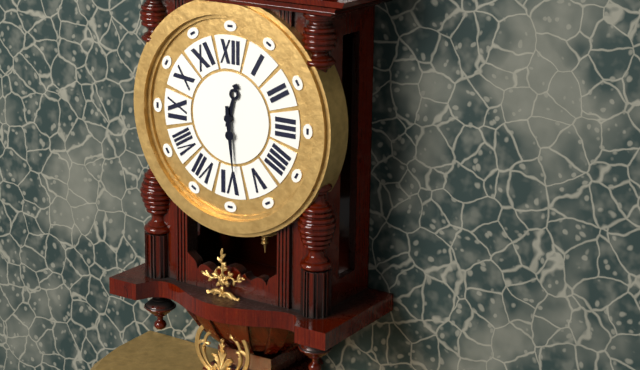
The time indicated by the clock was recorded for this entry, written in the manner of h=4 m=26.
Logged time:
h=12 m=29
